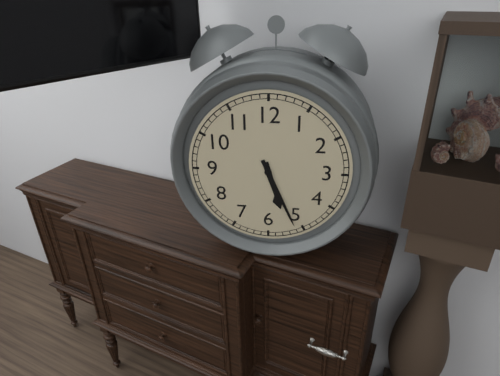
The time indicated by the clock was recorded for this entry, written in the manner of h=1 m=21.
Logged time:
h=5 m=26
